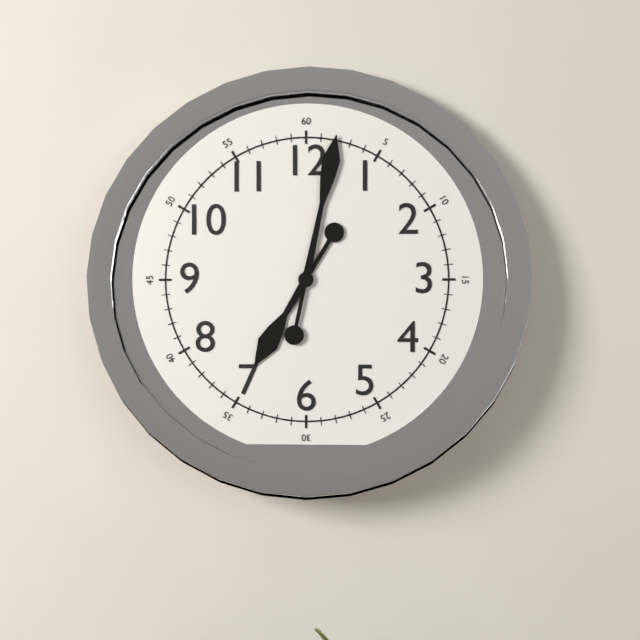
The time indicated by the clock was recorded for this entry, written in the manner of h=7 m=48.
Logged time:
h=7 m=2
